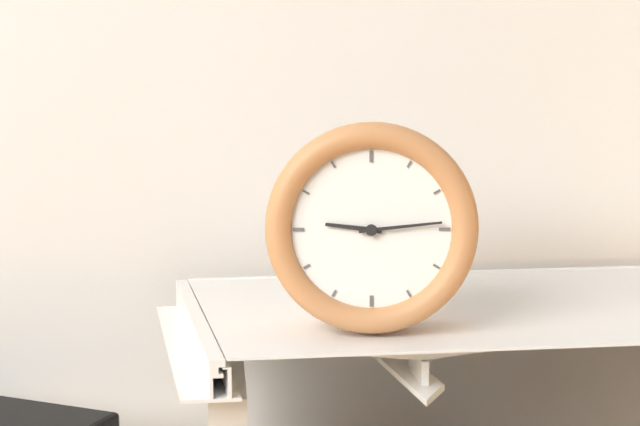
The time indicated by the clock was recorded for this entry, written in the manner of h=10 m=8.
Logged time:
h=9 m=14
